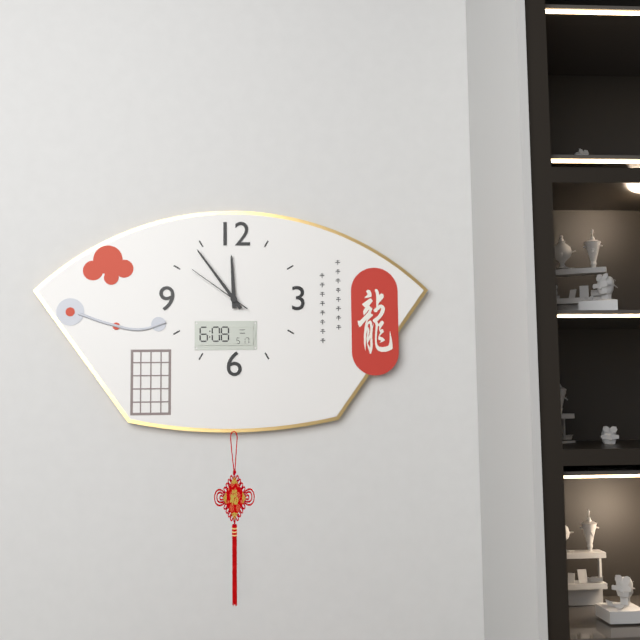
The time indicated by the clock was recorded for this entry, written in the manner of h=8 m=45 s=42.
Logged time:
h=11 m=54 s=51
